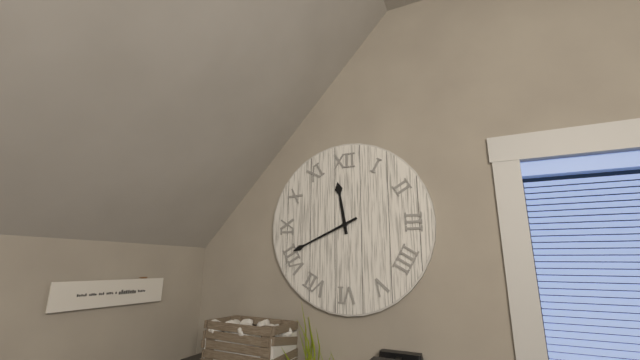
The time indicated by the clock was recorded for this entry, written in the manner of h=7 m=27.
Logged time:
h=11 m=41
